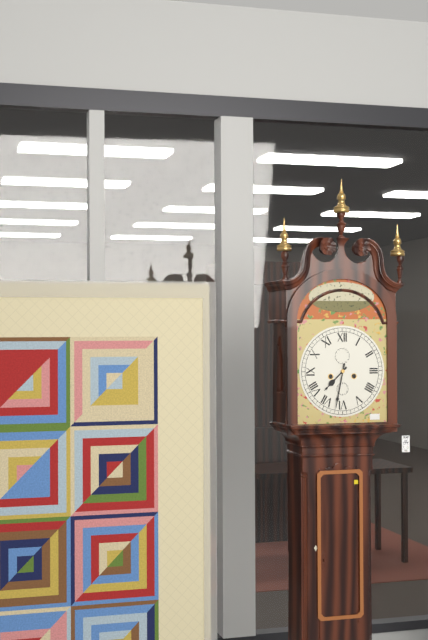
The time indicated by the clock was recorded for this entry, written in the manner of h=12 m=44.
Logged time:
h=7 m=32
